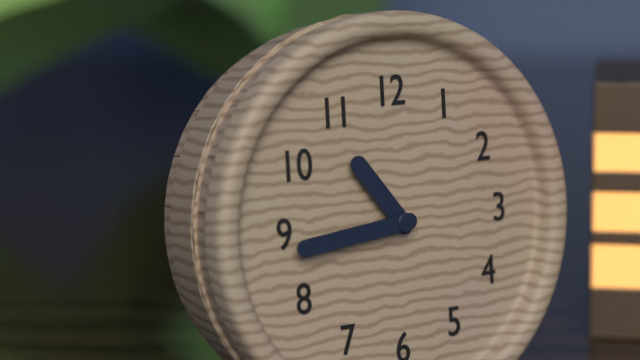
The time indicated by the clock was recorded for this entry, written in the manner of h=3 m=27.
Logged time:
h=10 m=44
